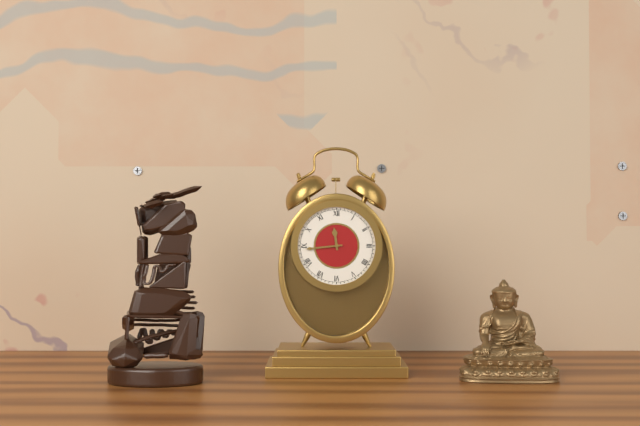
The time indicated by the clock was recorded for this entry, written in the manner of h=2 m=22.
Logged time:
h=11 m=44
